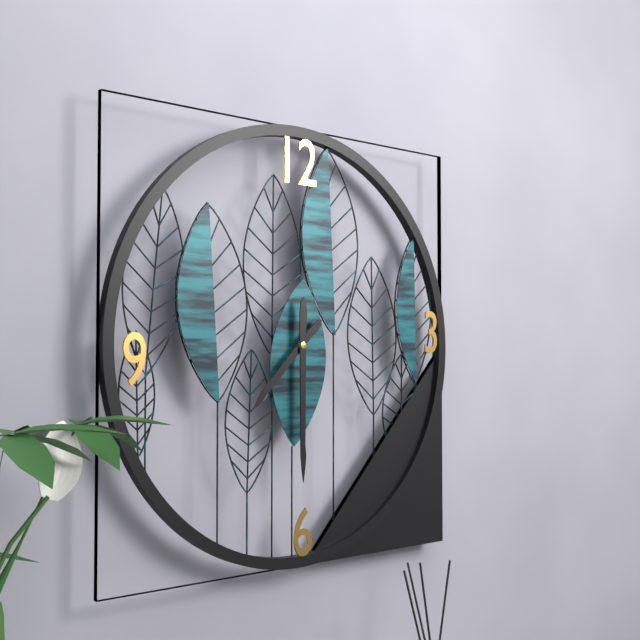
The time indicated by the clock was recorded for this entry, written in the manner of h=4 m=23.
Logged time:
h=7 m=30
